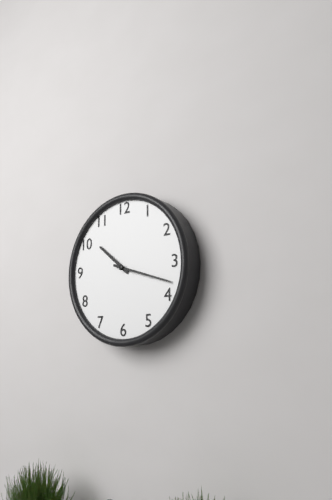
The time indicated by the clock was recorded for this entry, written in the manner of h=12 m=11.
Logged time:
h=10 m=18
